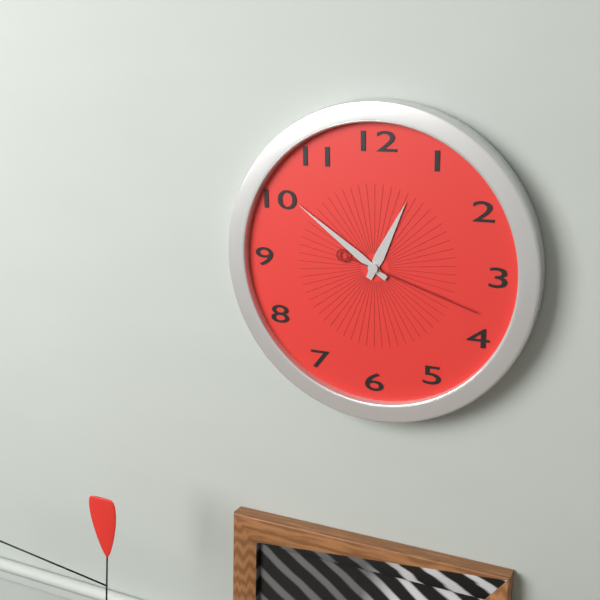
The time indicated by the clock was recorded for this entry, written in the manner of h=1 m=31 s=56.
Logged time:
h=12 m=51 s=18
